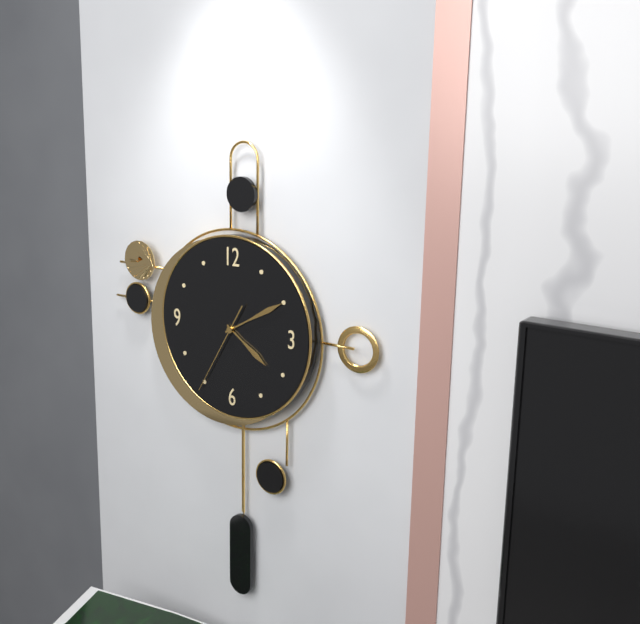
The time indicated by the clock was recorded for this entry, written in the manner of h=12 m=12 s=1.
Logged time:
h=4 m=10 s=35
